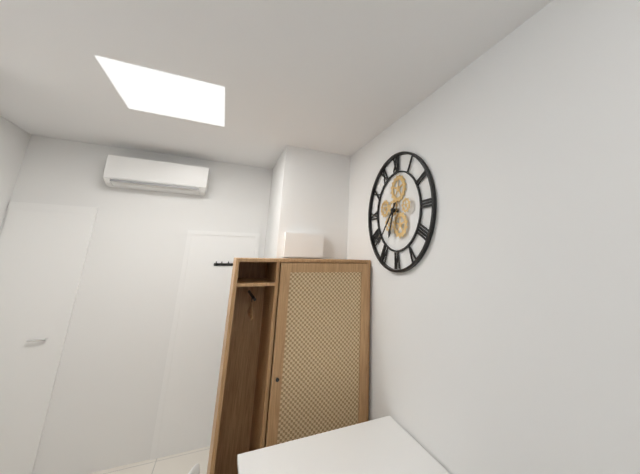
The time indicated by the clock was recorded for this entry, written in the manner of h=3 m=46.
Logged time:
h=6 m=37
